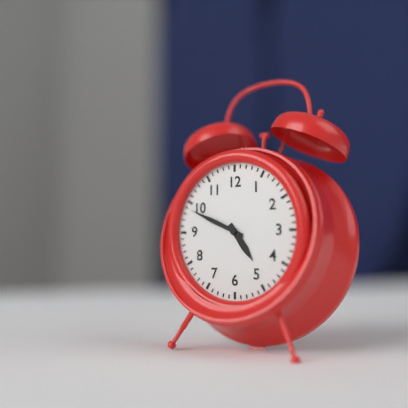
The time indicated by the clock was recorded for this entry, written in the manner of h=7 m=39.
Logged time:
h=4 m=49
